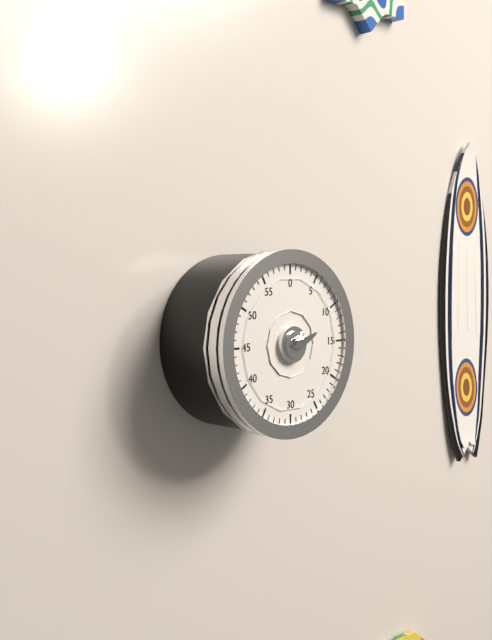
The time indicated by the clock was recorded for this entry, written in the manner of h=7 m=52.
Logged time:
h=2 m=11
